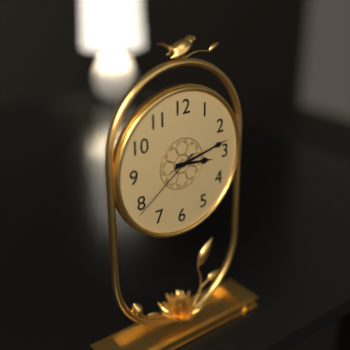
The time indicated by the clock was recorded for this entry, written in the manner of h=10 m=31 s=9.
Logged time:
h=3 m=13 s=39
